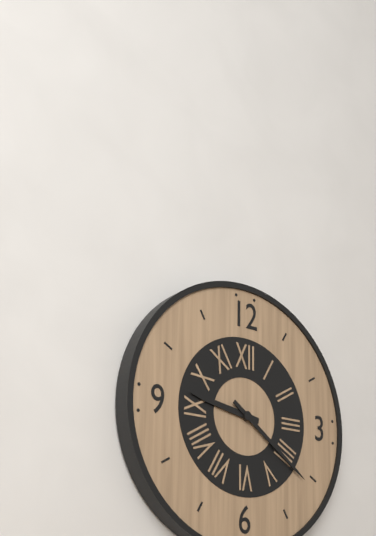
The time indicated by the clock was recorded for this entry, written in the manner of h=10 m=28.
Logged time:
h=9 m=21
